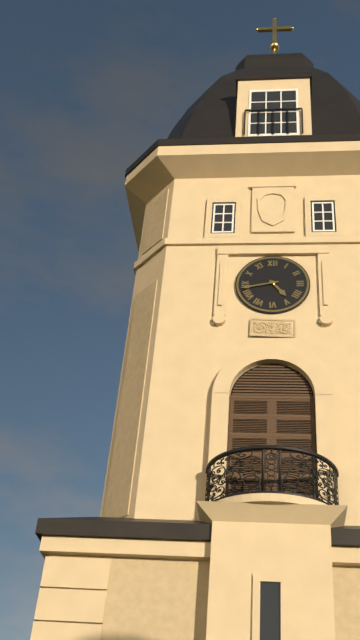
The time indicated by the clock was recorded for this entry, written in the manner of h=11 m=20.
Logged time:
h=4 m=43
